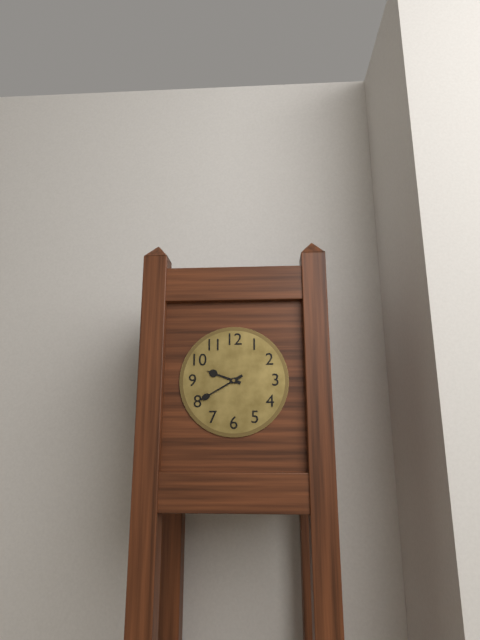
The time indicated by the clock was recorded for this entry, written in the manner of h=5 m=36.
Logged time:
h=9 m=40
